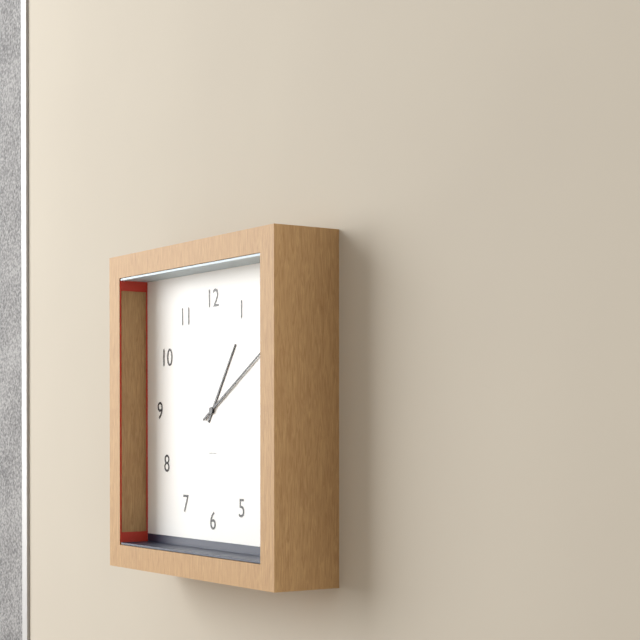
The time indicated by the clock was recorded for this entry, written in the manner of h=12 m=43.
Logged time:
h=1 m=10
